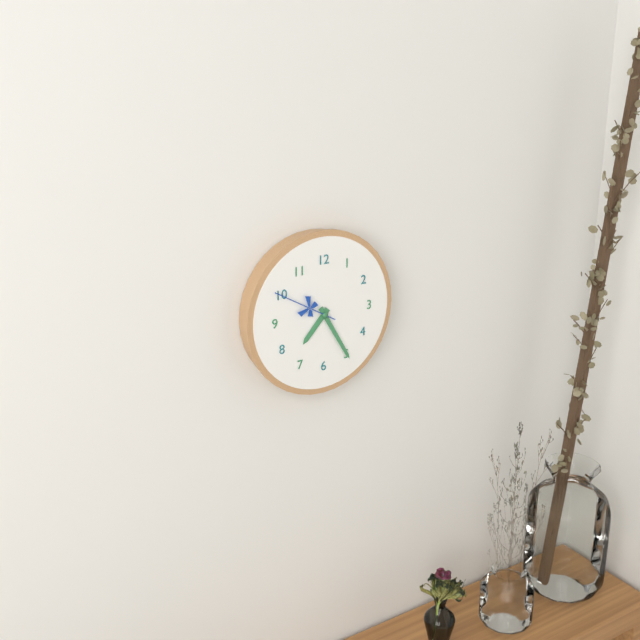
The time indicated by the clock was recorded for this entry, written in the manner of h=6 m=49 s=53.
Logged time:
h=7 m=25 s=50
